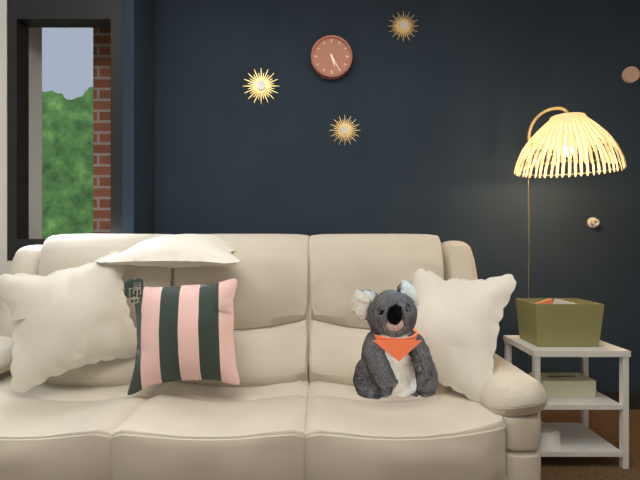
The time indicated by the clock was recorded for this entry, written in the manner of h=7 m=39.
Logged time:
h=5 m=25
